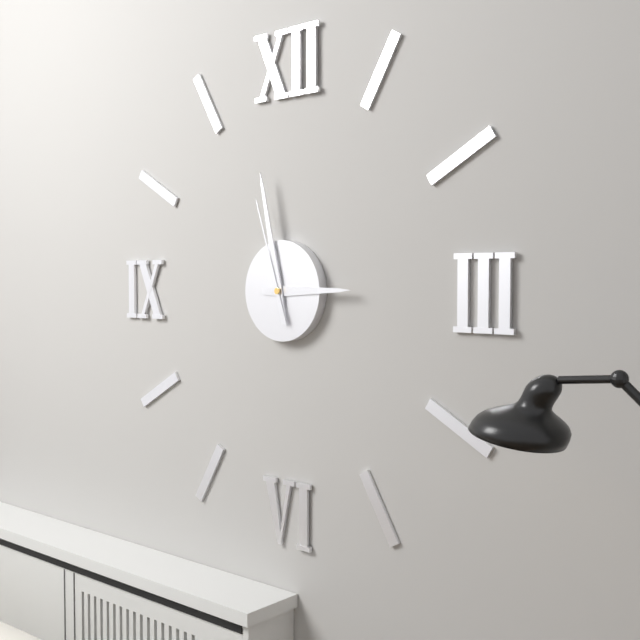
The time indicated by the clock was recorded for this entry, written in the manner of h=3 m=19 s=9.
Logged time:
h=2 m=58 s=57
